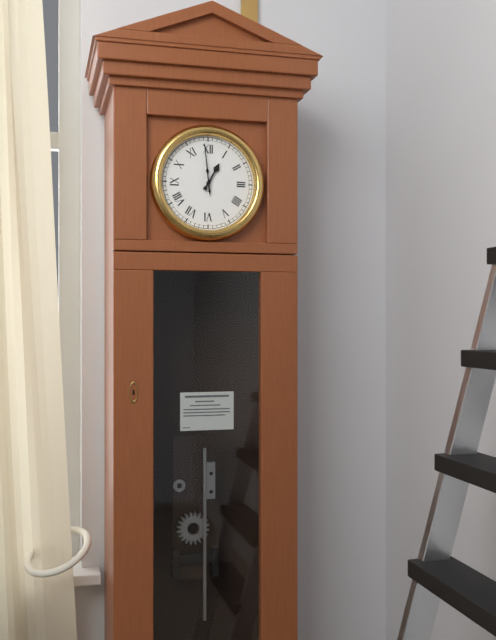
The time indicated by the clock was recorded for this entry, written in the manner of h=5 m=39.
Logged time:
h=12 m=59
